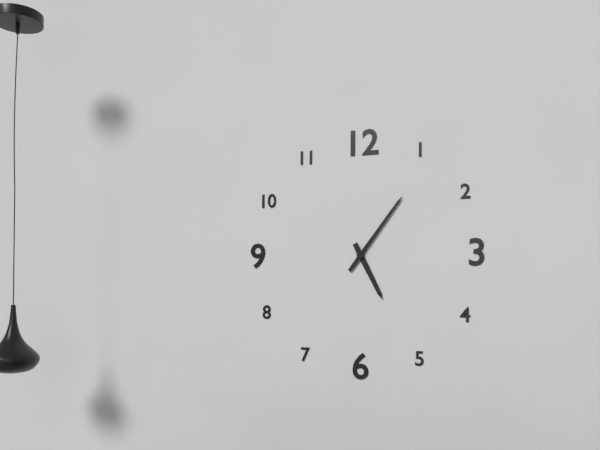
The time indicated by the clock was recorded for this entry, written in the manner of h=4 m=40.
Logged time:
h=5 m=6
